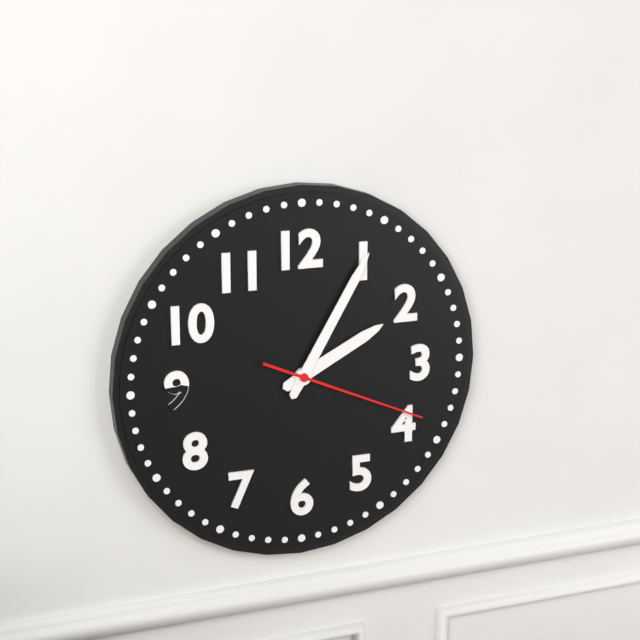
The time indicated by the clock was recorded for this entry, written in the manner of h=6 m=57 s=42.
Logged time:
h=2 m=5 s=19
